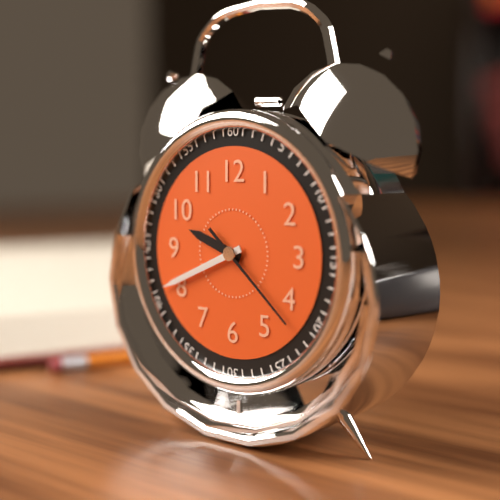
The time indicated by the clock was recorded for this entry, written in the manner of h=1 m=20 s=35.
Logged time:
h=9 m=41 s=22
